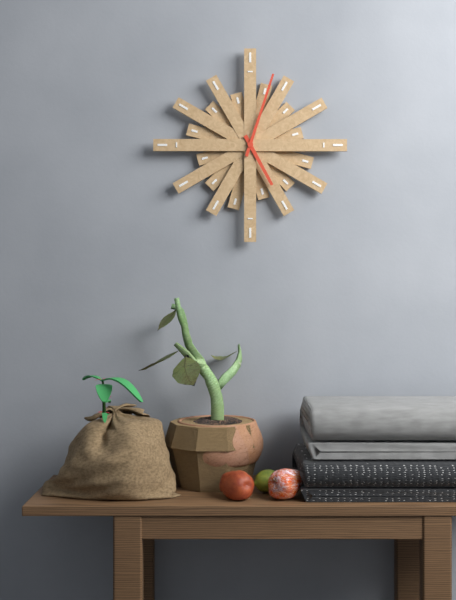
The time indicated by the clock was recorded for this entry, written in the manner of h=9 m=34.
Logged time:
h=5 m=3
